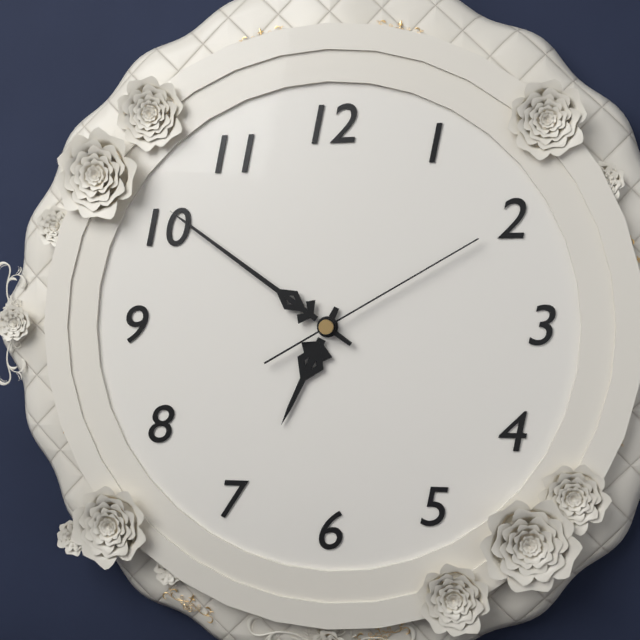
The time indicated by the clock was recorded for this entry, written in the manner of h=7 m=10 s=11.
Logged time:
h=6 m=51 s=10
